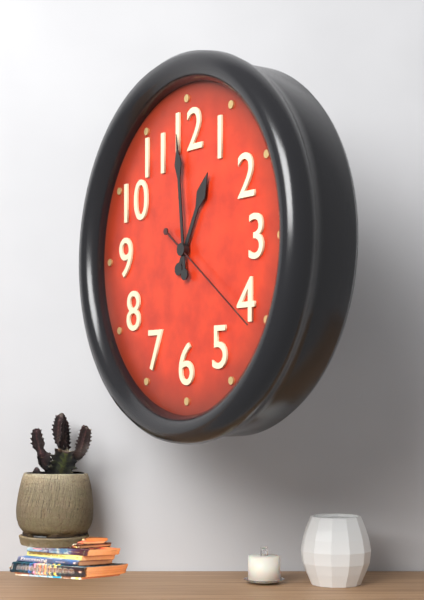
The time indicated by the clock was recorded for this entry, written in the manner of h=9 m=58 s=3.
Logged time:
h=12 m=59 s=21
